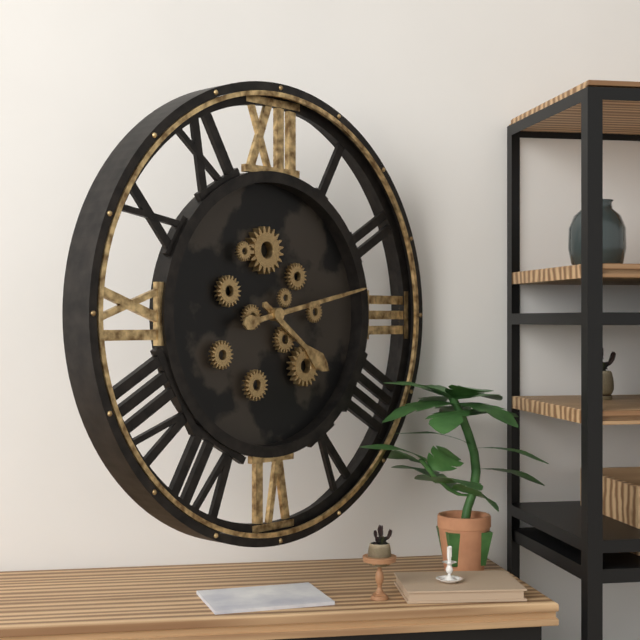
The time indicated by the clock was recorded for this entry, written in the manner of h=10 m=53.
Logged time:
h=4 m=13
